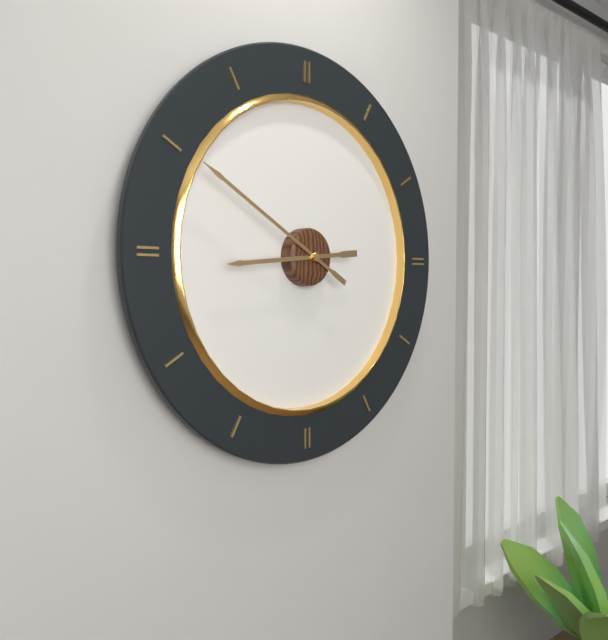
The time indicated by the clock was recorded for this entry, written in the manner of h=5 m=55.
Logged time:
h=8 m=50
